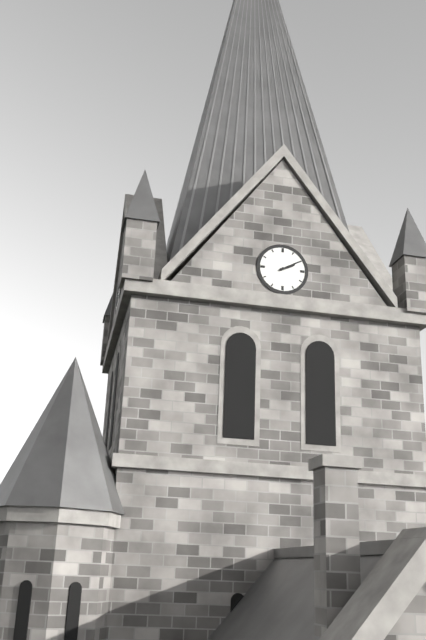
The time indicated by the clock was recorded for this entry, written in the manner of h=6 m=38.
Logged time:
h=2 m=10
